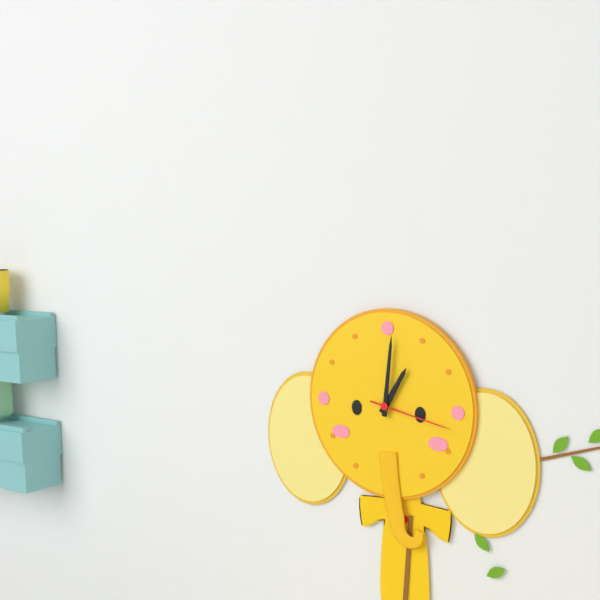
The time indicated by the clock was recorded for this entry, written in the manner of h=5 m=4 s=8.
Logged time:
h=1 m=1 s=17
